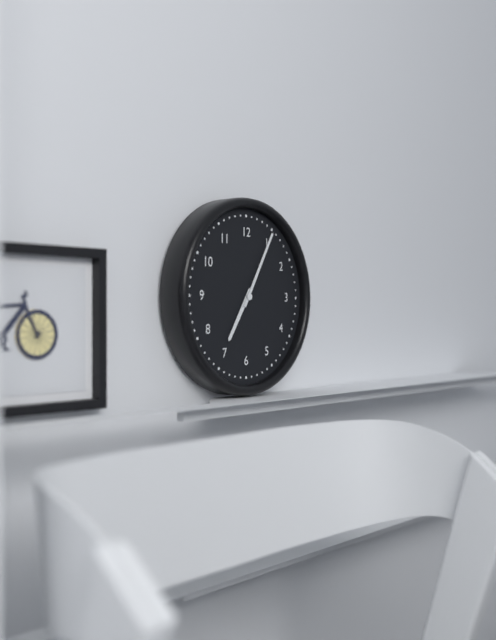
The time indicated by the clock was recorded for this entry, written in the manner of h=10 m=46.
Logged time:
h=7 m=5
